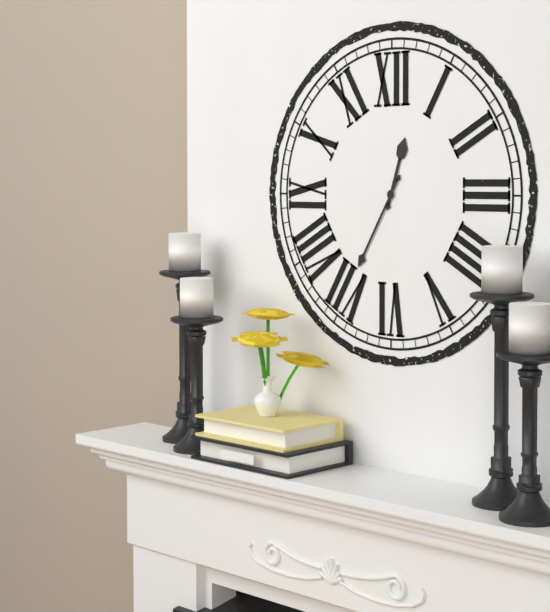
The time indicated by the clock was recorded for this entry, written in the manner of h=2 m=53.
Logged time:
h=12 m=35
